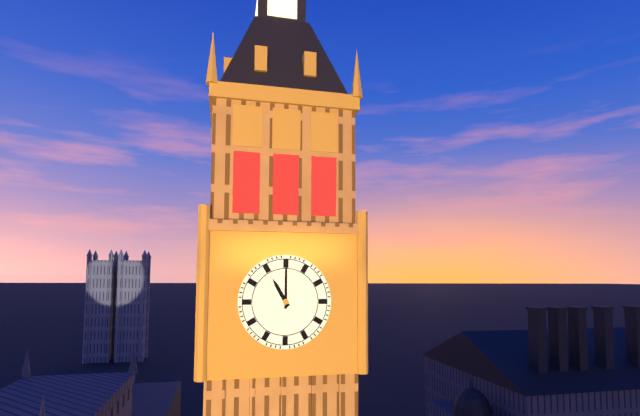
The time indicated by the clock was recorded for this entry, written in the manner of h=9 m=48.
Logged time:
h=11 m=0
